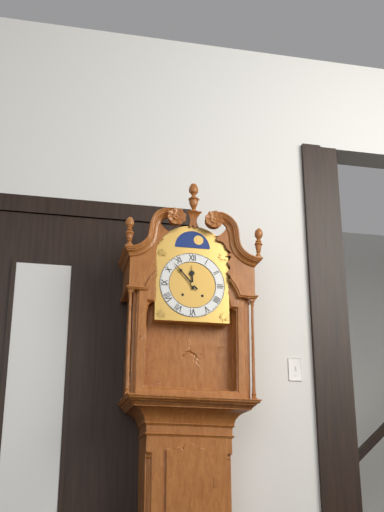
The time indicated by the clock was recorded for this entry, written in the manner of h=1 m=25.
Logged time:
h=11 m=53
